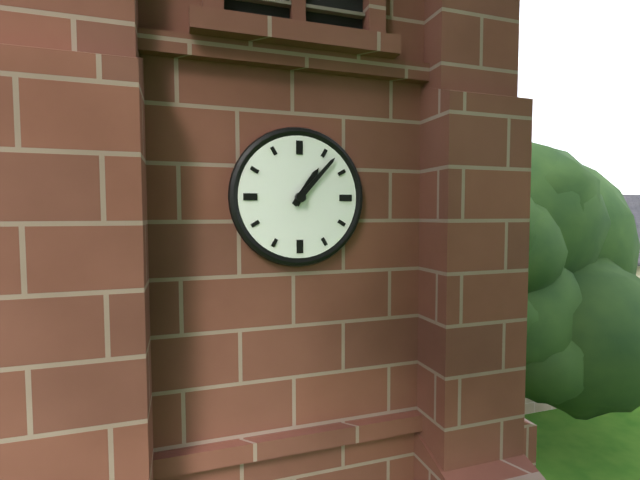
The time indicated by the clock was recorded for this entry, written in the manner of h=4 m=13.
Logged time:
h=1 m=7
